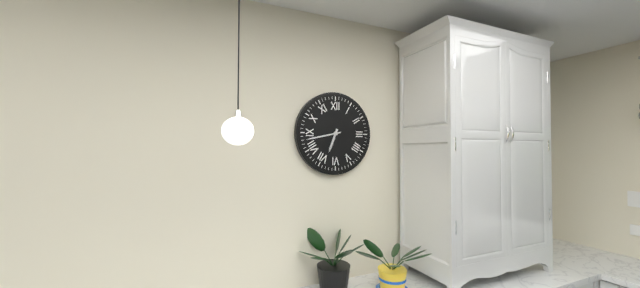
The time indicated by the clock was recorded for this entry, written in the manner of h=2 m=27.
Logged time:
h=6 m=43
